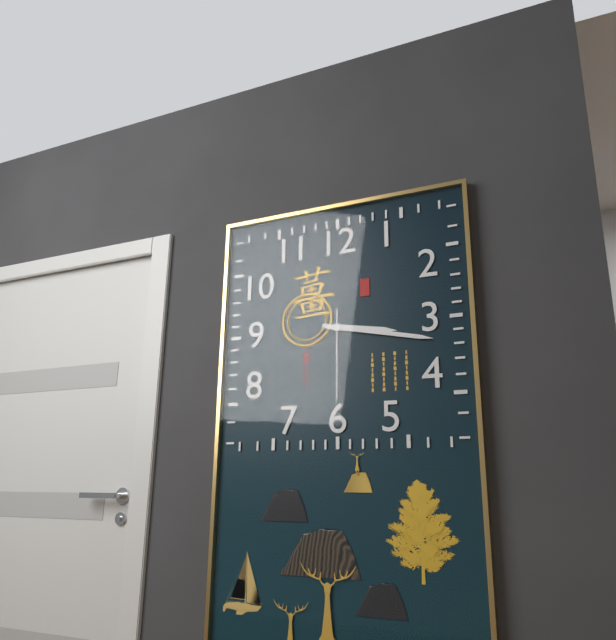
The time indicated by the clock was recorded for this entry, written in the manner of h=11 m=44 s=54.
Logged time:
h=3 m=17 s=30
